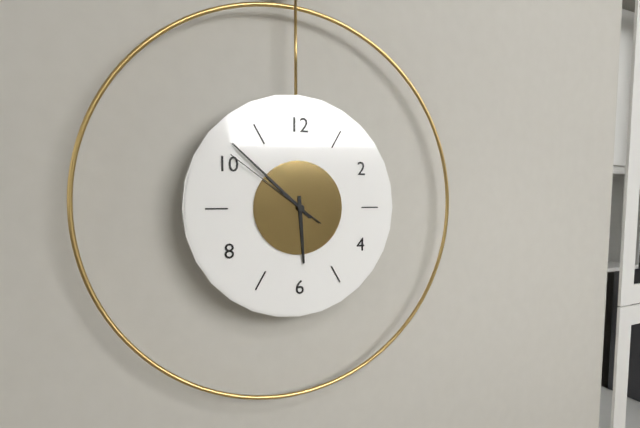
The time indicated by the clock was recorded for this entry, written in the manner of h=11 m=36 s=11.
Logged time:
h=5 m=52 s=51
